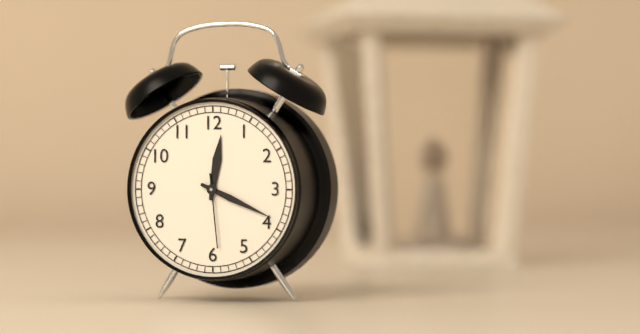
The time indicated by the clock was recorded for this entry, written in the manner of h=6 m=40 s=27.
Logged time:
h=12 m=19 s=29
